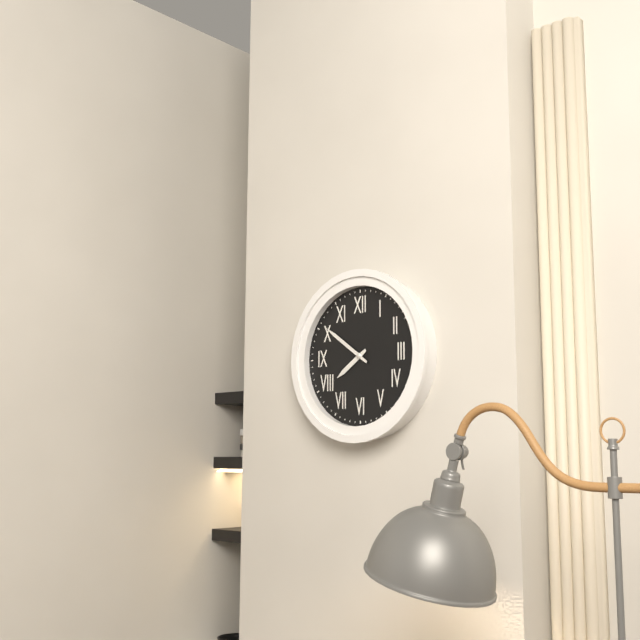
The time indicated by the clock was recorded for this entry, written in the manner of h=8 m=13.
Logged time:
h=7 m=51
